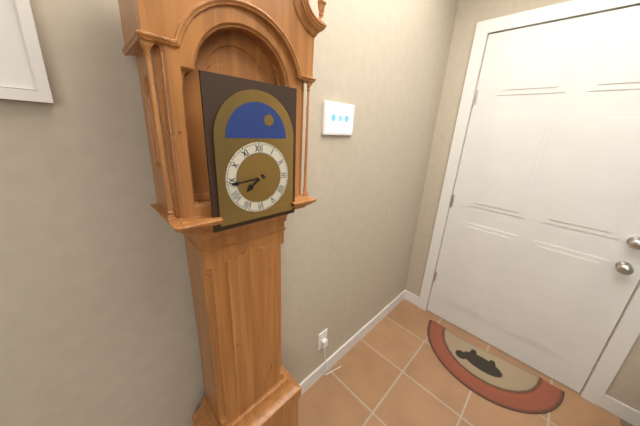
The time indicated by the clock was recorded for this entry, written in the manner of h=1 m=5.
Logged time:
h=7 m=44
